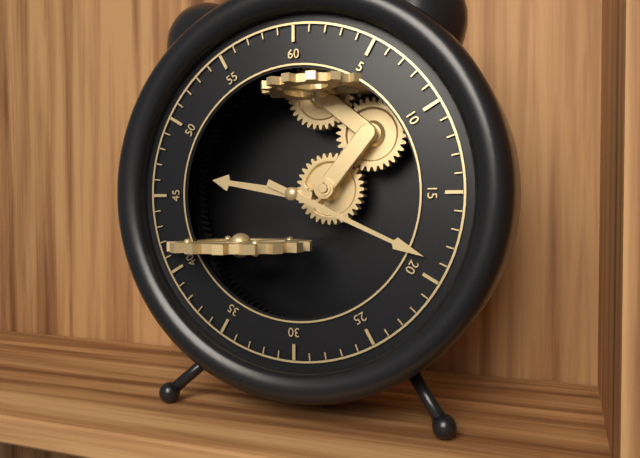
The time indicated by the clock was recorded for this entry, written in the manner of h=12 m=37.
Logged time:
h=9 m=19
